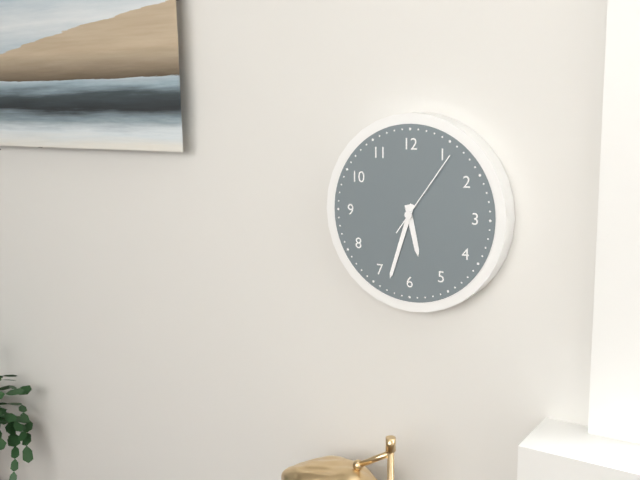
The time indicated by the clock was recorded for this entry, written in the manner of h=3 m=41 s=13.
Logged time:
h=5 m=33 s=6
